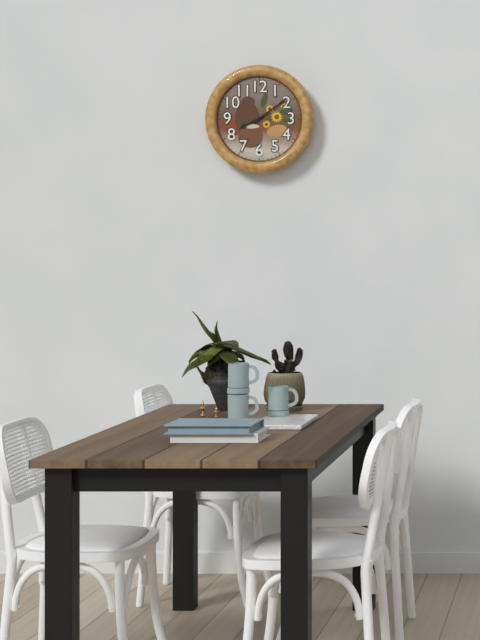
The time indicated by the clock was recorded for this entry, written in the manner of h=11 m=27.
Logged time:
h=8 m=9
